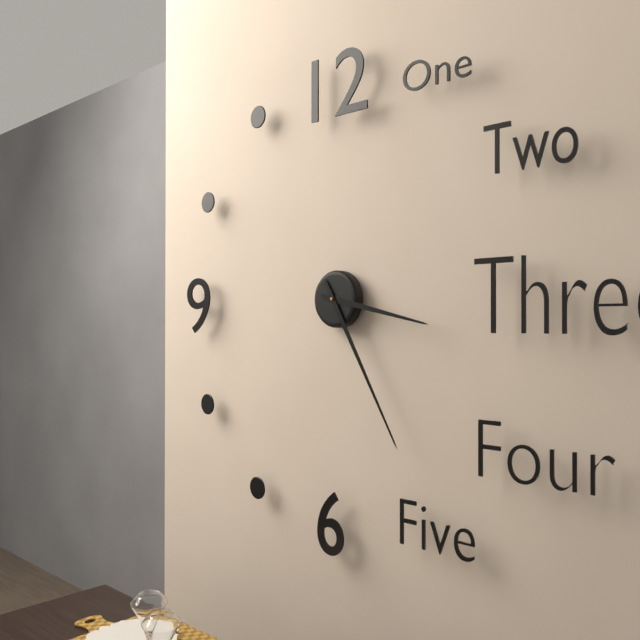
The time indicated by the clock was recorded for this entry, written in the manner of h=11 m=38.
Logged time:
h=3 m=25
